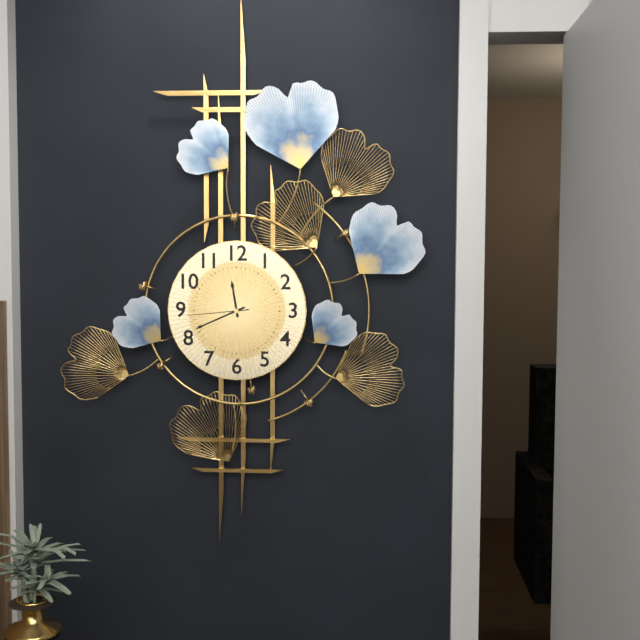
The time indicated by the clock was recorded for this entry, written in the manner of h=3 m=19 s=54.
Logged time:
h=11 m=41 s=44
